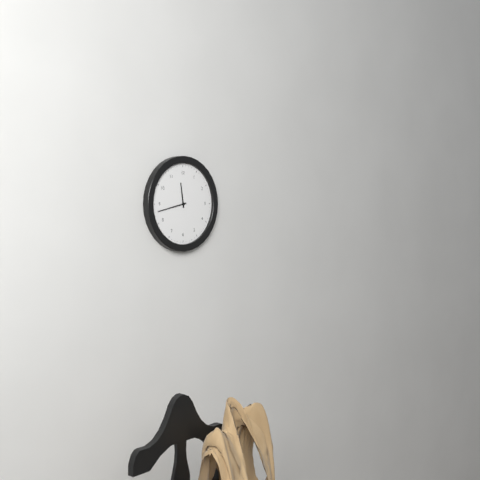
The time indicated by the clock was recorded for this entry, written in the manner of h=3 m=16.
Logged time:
h=11 m=43
